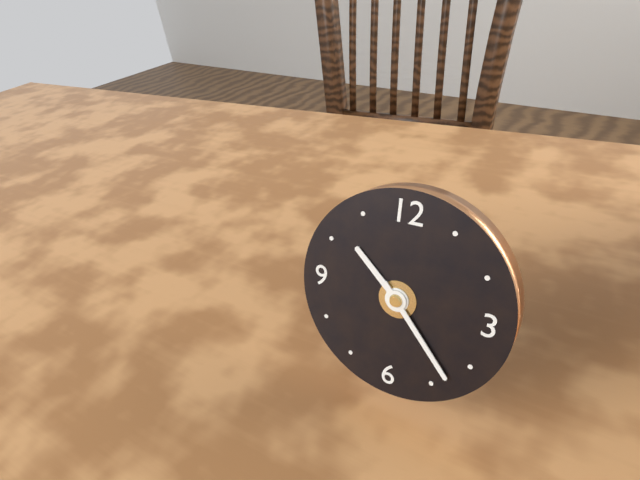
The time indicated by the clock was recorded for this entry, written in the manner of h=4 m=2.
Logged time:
h=10 m=23
